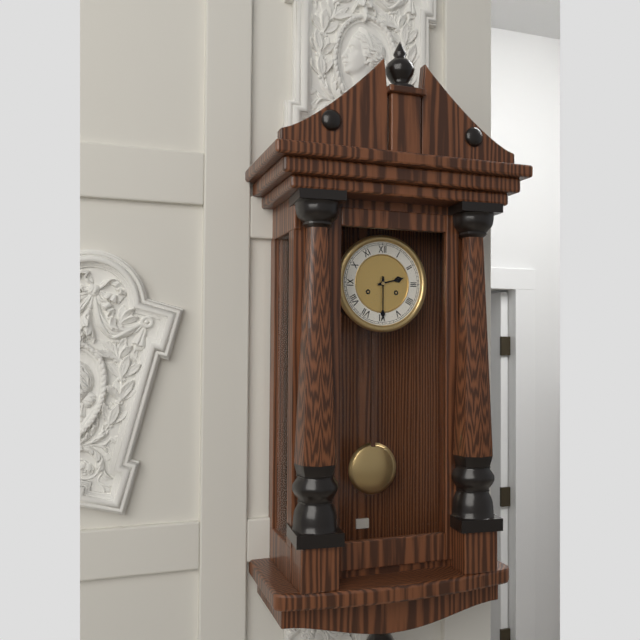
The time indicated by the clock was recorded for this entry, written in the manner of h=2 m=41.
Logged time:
h=2 m=30
